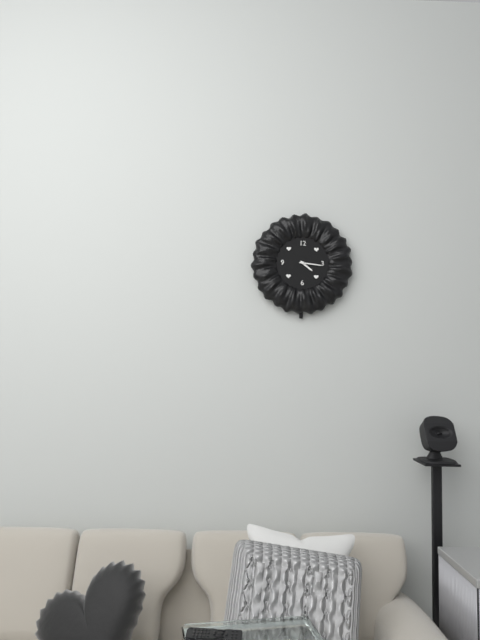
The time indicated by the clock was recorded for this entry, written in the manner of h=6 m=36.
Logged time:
h=4 m=16
